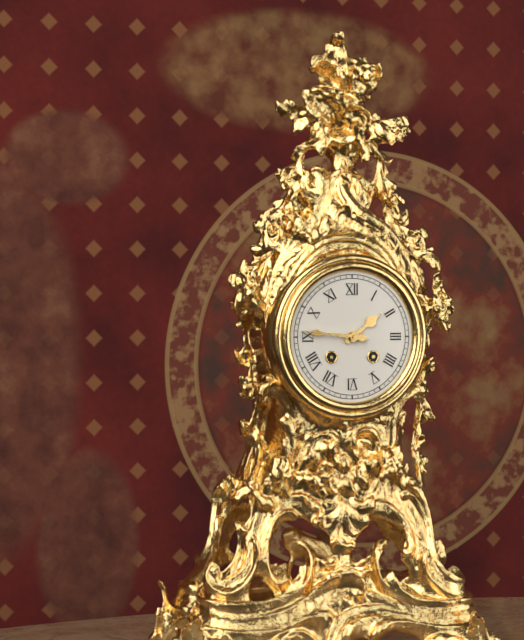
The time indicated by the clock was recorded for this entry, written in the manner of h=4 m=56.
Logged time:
h=1 m=46
